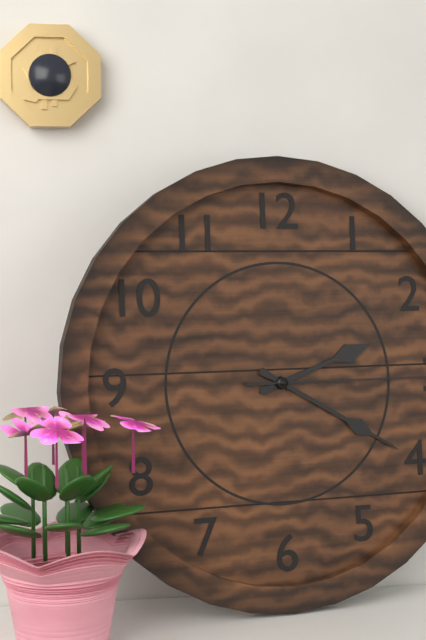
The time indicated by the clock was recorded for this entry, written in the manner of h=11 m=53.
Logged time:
h=2 m=20
